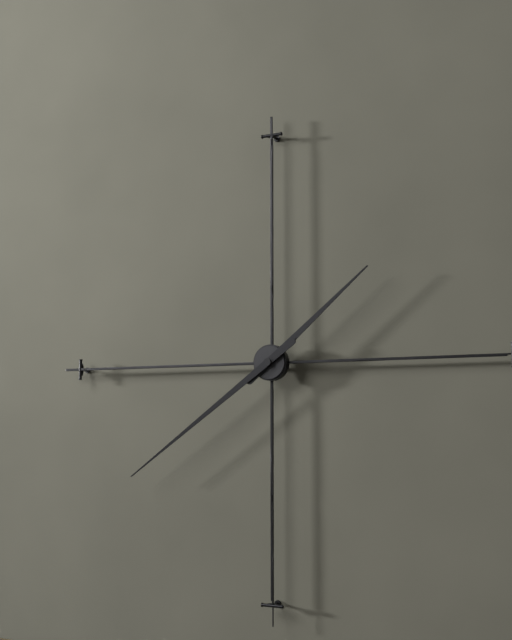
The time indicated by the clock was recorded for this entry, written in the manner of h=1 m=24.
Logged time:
h=1 m=39
